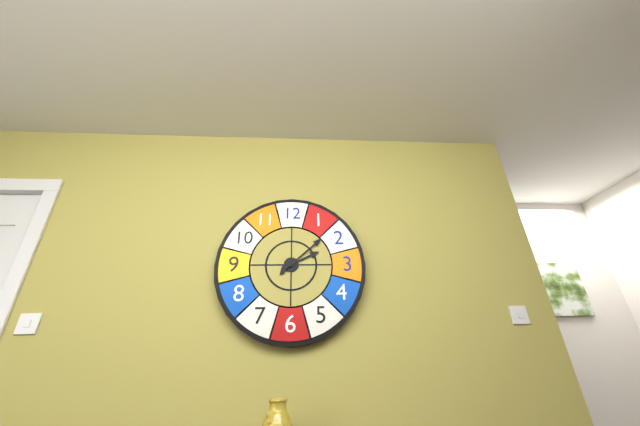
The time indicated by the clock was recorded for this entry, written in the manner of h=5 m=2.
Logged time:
h=2 m=8
